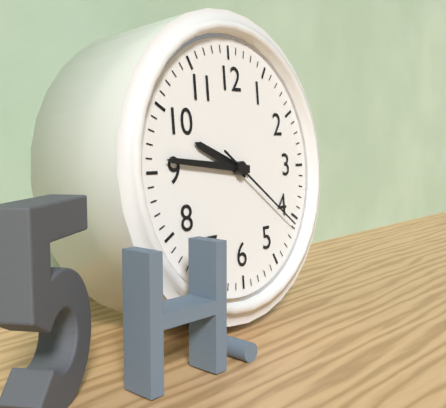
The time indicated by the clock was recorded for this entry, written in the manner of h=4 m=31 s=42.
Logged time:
h=9 m=46 s=21
